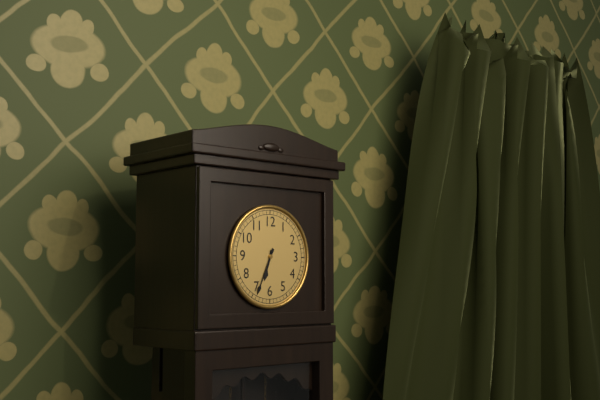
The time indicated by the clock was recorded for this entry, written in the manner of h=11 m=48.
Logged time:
h=6 m=34
